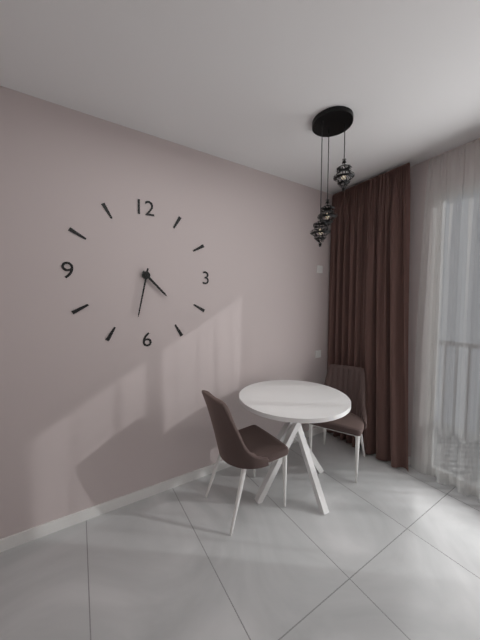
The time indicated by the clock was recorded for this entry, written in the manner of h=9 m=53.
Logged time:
h=4 m=32
